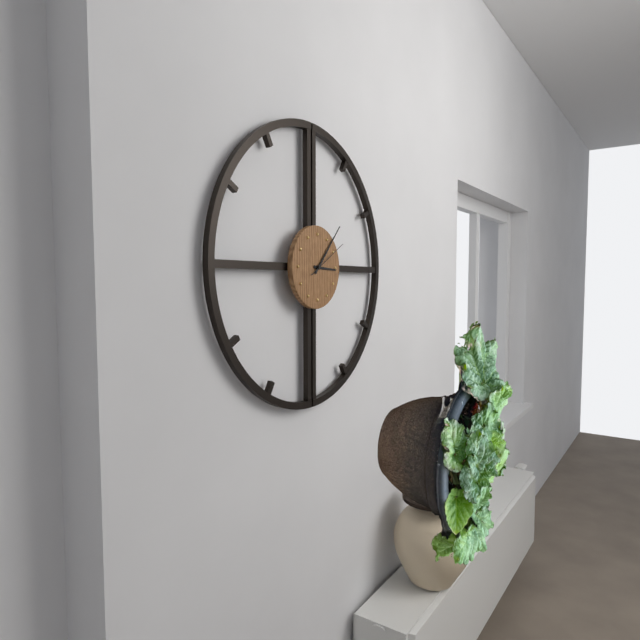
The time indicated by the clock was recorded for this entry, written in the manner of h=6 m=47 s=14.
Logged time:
h=3 m=7 s=10
